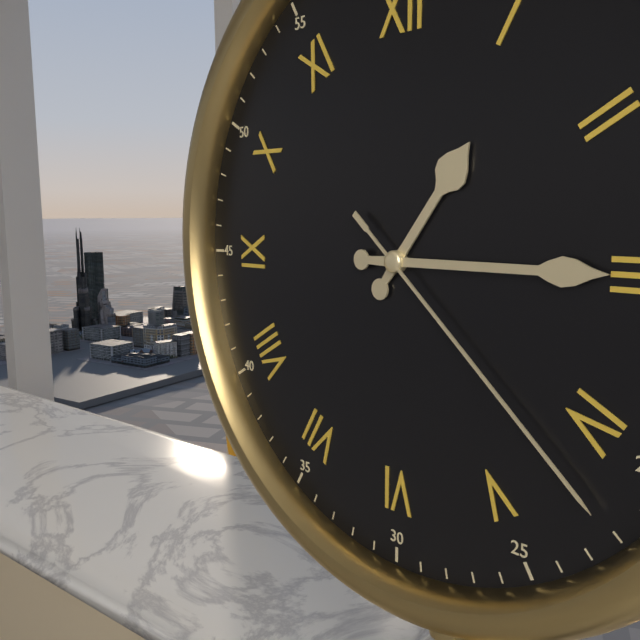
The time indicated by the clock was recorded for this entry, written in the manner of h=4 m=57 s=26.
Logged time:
h=1 m=15 s=22
